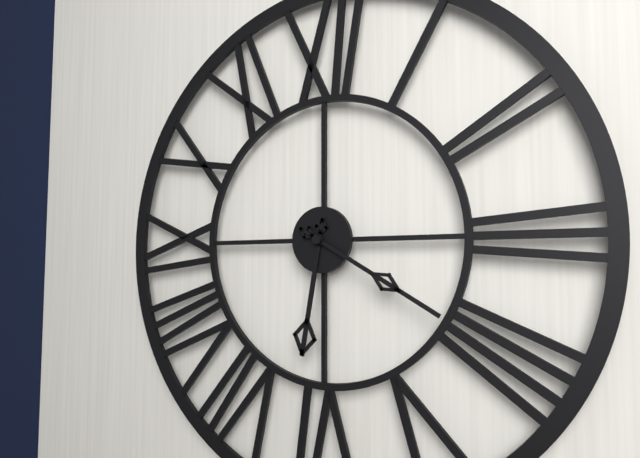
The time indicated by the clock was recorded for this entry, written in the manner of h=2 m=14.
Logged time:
h=6 m=20
